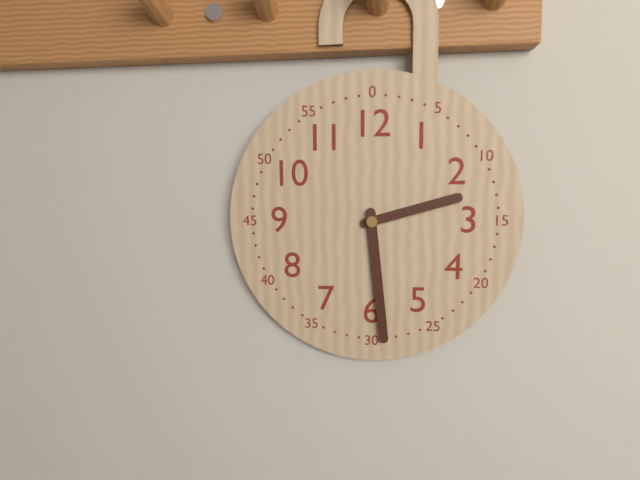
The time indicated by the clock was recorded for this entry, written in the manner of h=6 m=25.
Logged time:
h=2 m=29
